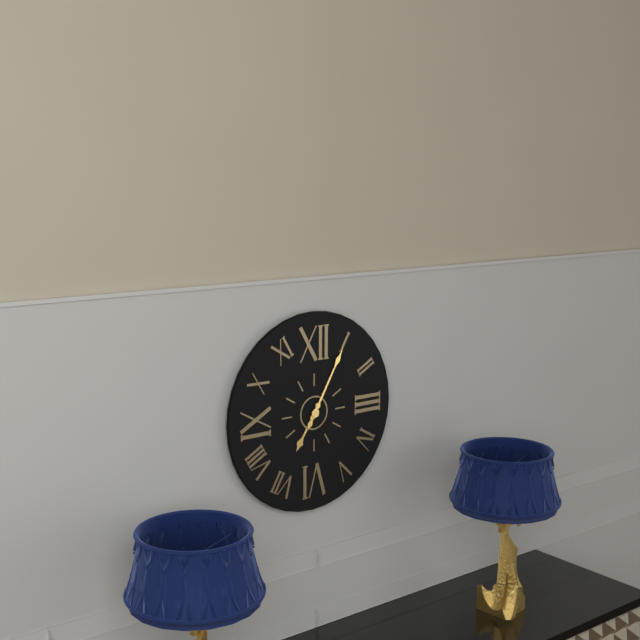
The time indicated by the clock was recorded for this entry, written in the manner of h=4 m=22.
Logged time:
h=7 m=5
